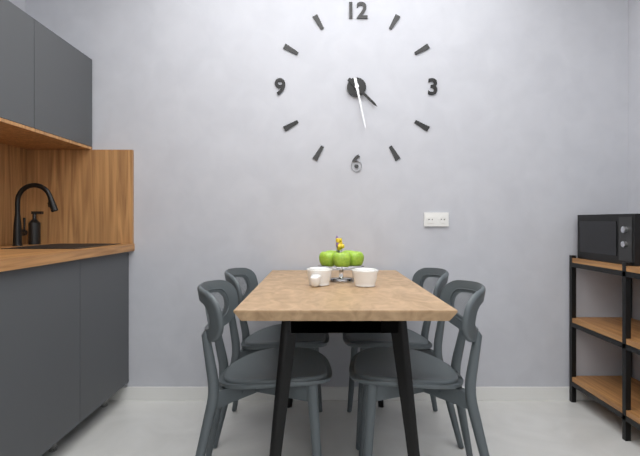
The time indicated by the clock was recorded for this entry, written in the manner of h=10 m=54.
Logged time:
h=4 m=28
